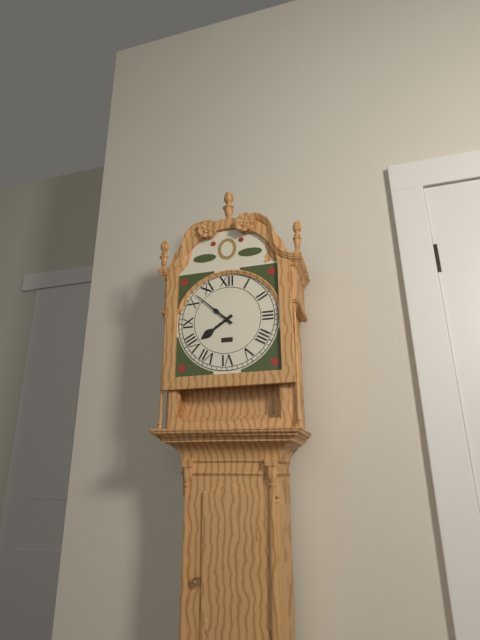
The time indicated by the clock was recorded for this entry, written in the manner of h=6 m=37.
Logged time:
h=7 m=52
